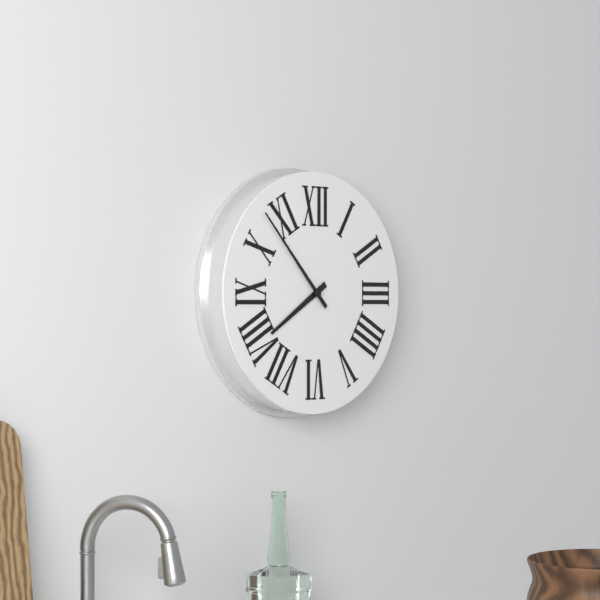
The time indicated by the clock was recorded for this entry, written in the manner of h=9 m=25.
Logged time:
h=7 m=53
